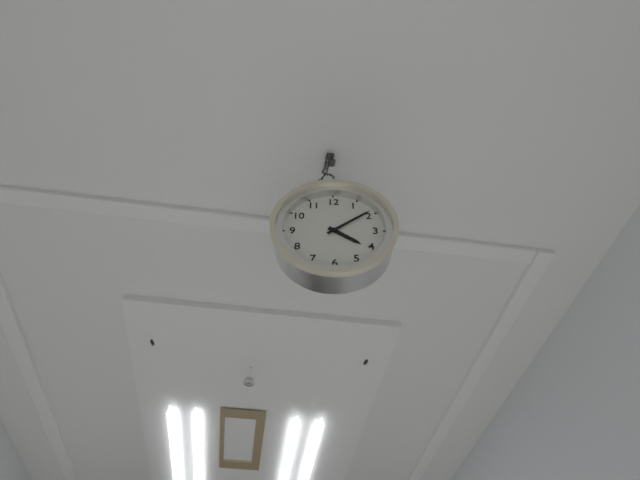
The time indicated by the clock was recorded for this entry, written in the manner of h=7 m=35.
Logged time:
h=4 m=9
